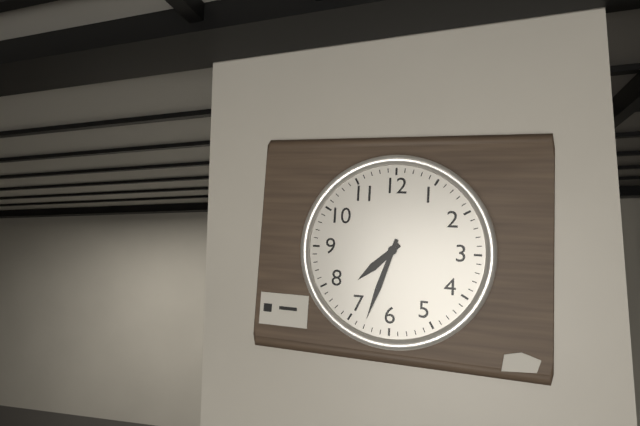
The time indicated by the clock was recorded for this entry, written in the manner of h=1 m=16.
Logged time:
h=7 m=33
